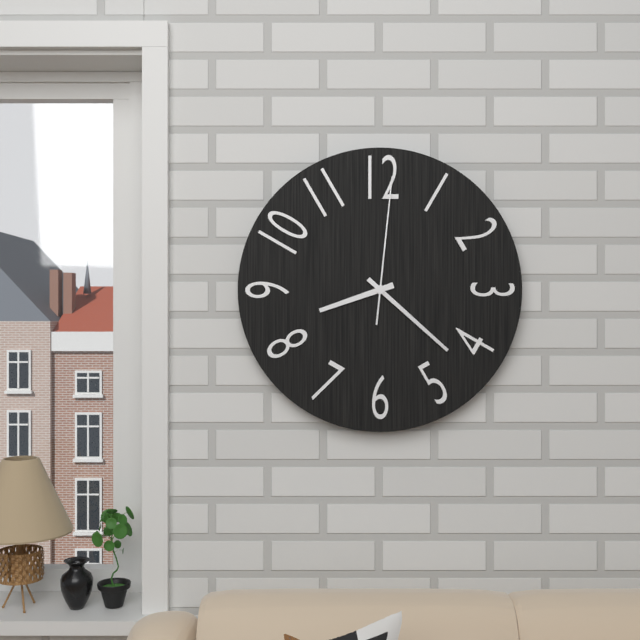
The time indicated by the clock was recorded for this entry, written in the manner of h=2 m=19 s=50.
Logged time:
h=8 m=22 s=1
